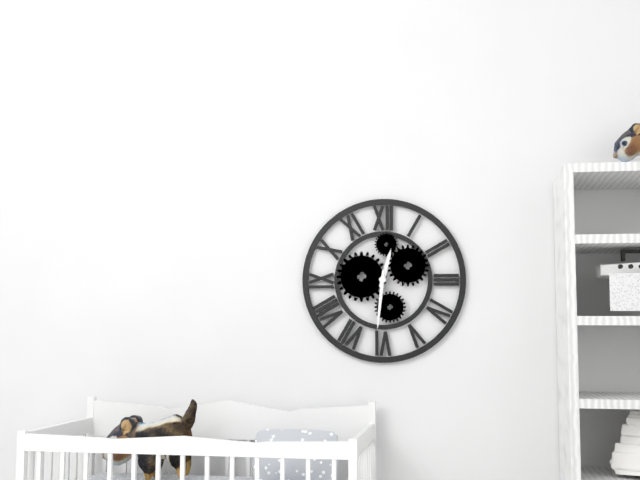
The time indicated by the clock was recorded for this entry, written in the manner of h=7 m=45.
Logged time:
h=12 m=31
